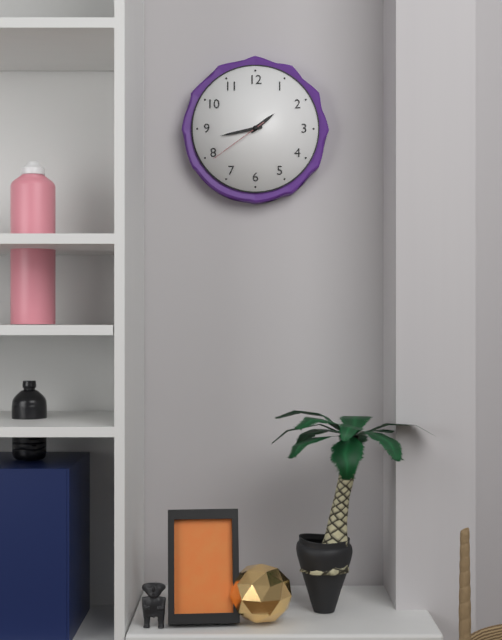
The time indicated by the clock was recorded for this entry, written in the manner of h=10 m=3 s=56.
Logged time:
h=1 m=43 s=39
